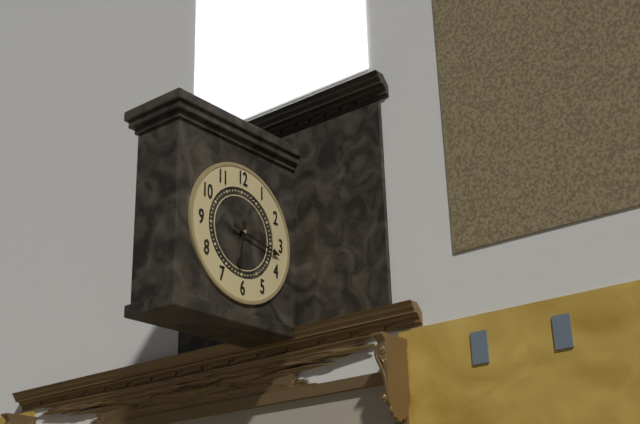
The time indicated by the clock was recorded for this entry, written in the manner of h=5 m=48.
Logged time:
h=6 m=17
